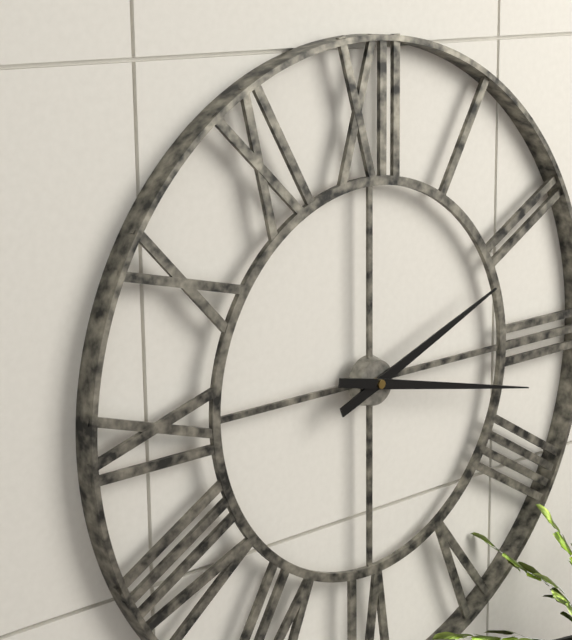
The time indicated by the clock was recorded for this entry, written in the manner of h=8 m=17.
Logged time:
h=2 m=17
